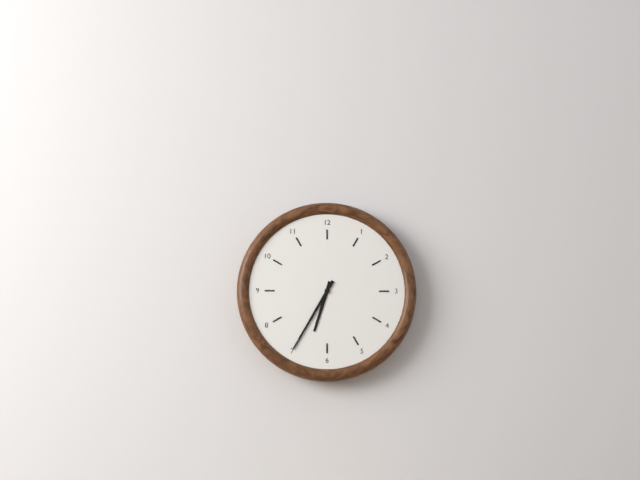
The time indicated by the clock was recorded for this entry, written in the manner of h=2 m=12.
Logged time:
h=6 m=35
